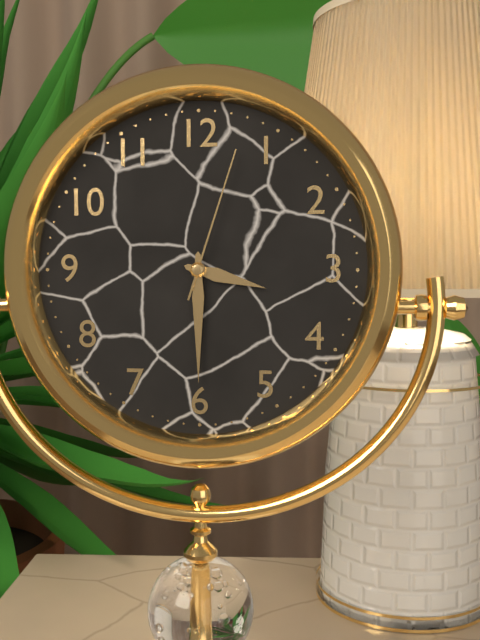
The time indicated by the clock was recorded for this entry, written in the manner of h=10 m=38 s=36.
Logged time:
h=3 m=30 s=3
